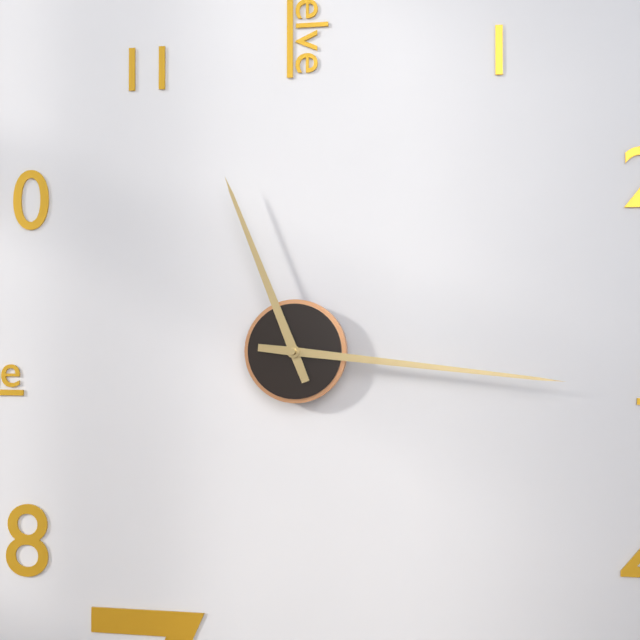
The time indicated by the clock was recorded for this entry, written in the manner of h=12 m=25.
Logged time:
h=11 m=16
